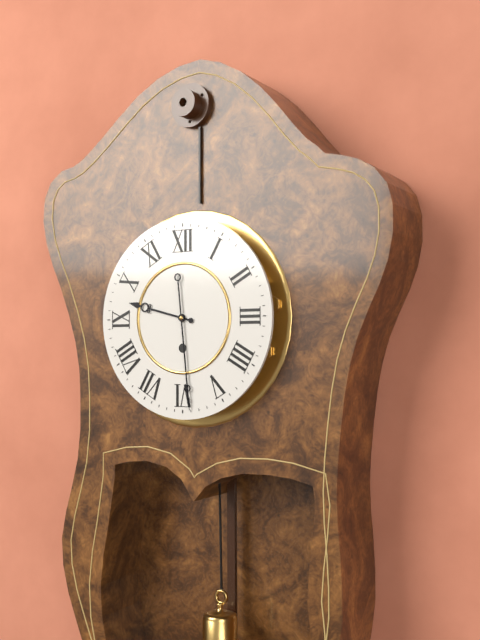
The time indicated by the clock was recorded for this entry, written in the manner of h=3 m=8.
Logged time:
h=9 m=29
